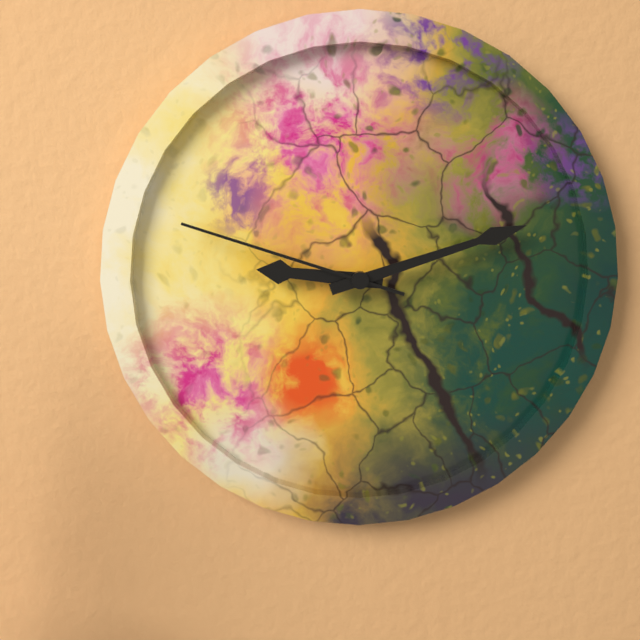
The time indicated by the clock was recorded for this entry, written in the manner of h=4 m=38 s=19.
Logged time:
h=9 m=12 s=48
